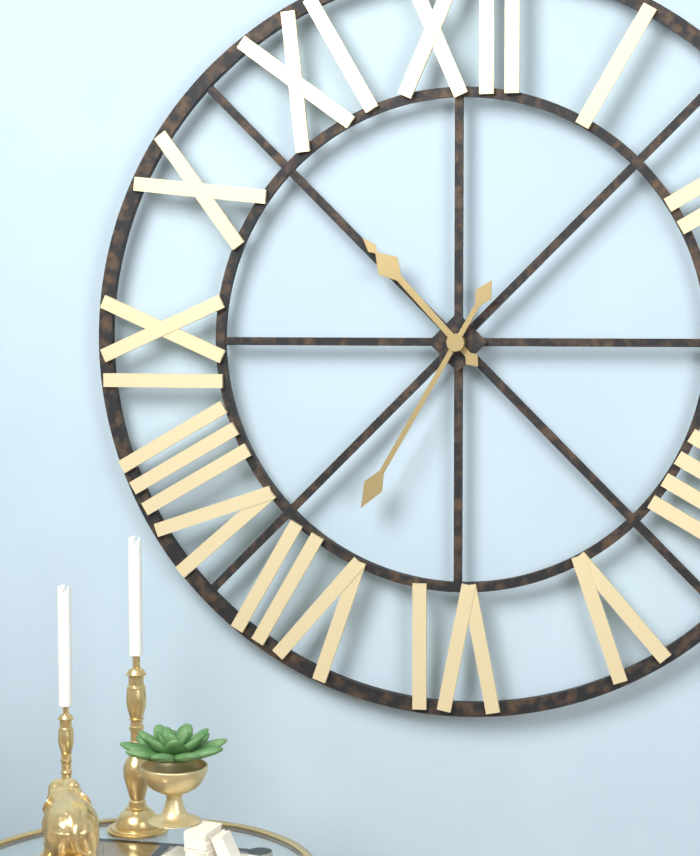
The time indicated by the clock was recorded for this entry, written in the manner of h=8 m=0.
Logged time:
h=10 m=35
